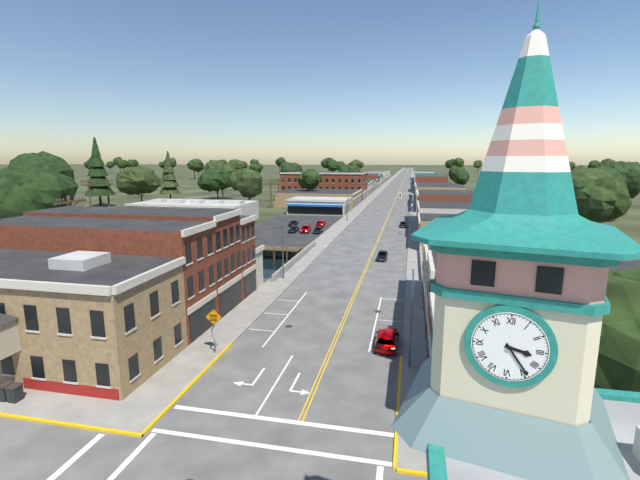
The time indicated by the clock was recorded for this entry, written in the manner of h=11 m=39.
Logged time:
h=3 m=24
